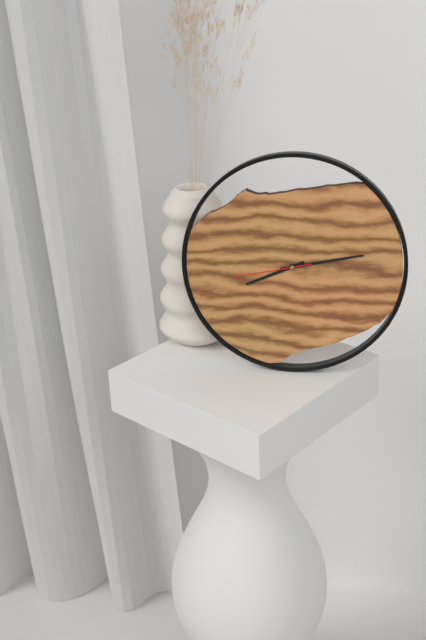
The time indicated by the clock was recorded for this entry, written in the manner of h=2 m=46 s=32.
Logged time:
h=8 m=13 s=43
